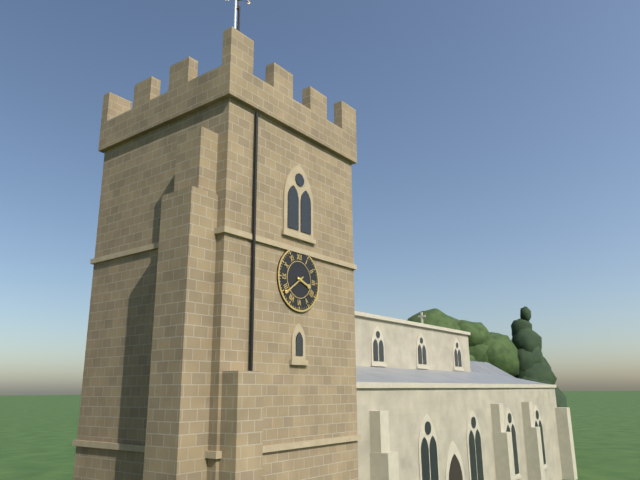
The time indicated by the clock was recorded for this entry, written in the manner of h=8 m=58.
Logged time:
h=3 m=39
